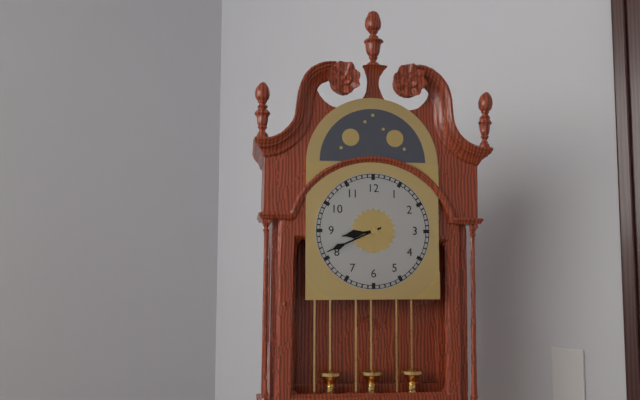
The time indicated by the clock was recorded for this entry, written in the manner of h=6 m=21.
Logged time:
h=8 m=41
